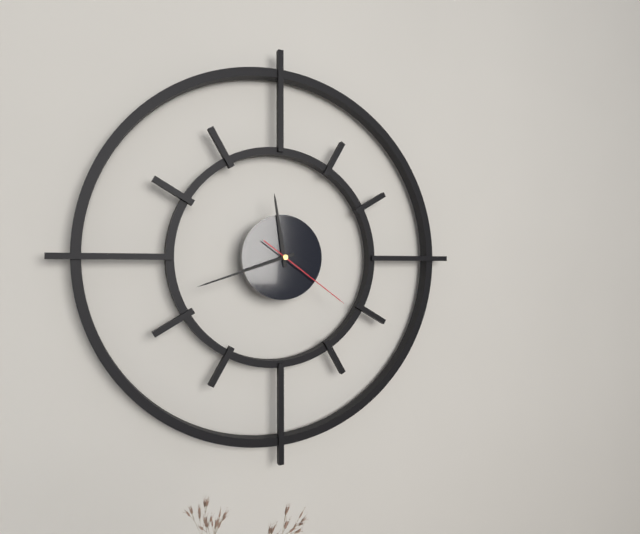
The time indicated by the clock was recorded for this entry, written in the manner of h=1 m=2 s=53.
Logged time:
h=11 m=42 s=21
